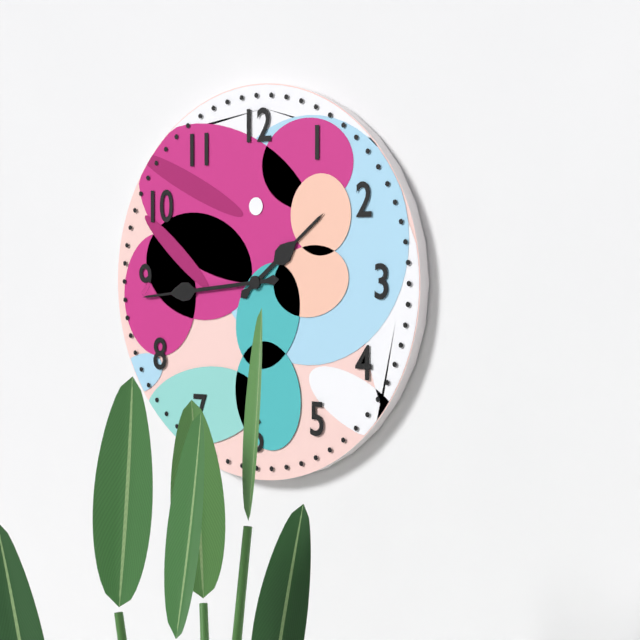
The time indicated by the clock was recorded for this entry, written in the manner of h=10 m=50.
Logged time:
h=1 m=44
